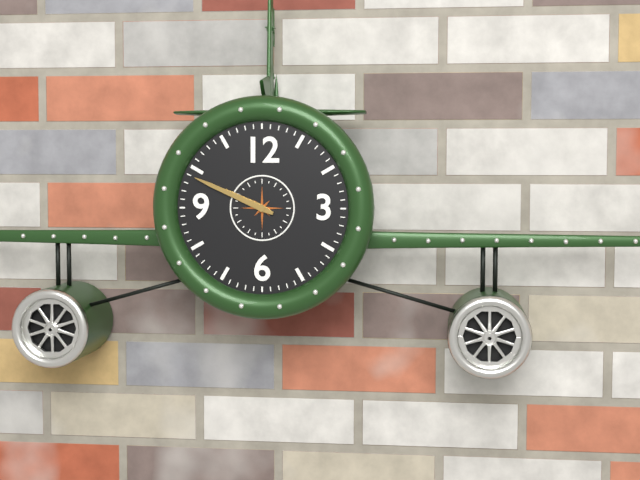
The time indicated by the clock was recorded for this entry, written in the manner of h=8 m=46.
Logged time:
h=9 m=49
